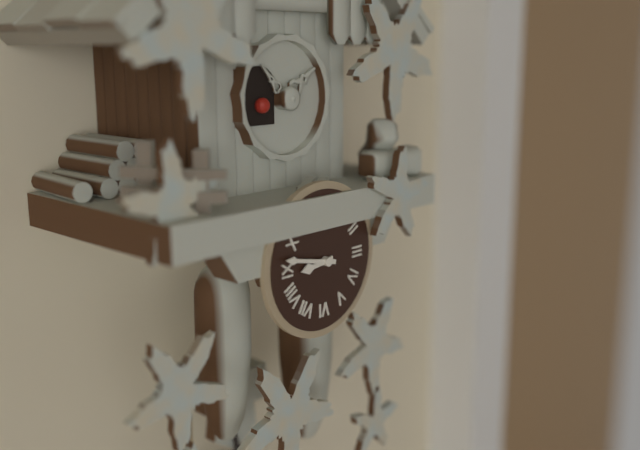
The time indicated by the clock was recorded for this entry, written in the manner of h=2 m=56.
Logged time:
h=8 m=47
